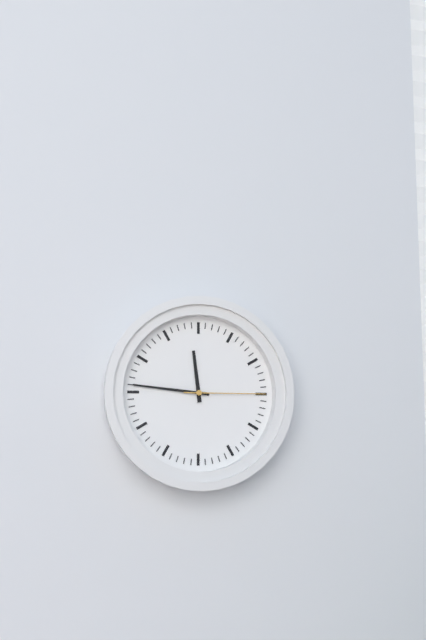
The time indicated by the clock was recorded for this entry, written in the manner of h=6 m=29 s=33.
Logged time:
h=11 m=46 s=15
